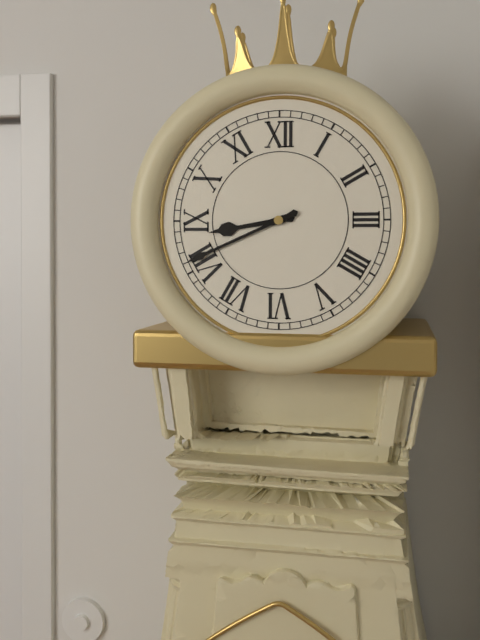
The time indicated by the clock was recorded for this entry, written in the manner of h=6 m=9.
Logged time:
h=8 m=41
